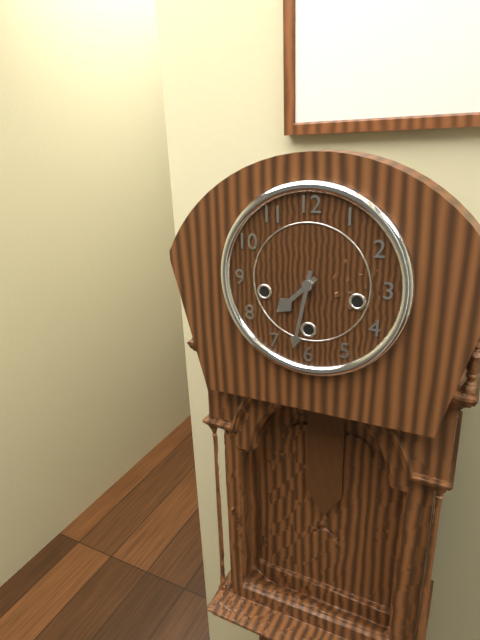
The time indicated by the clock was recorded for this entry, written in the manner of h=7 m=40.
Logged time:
h=7 m=32
